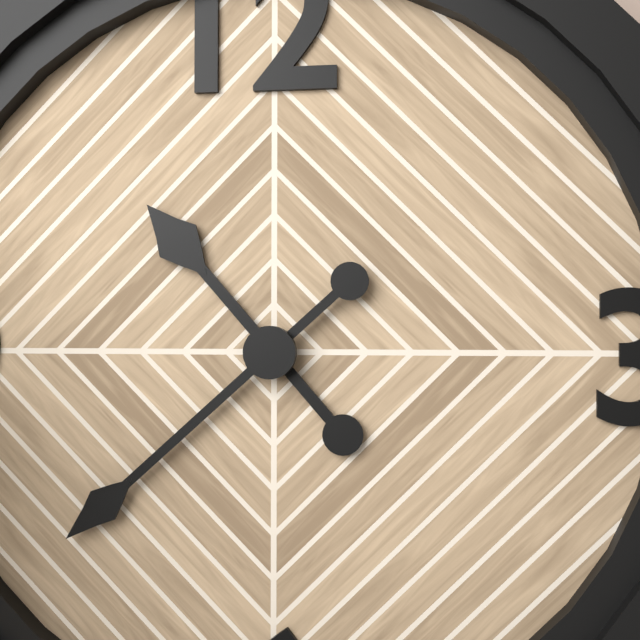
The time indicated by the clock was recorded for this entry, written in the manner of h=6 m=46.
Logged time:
h=10 m=38
